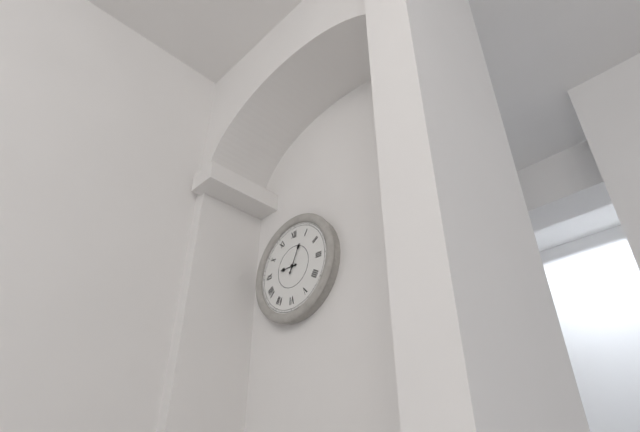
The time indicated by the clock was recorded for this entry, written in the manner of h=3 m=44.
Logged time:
h=9 m=4
